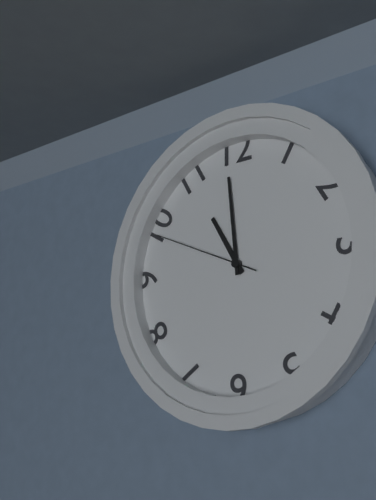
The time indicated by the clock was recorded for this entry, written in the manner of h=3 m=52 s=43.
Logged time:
h=10 m=59 s=49
